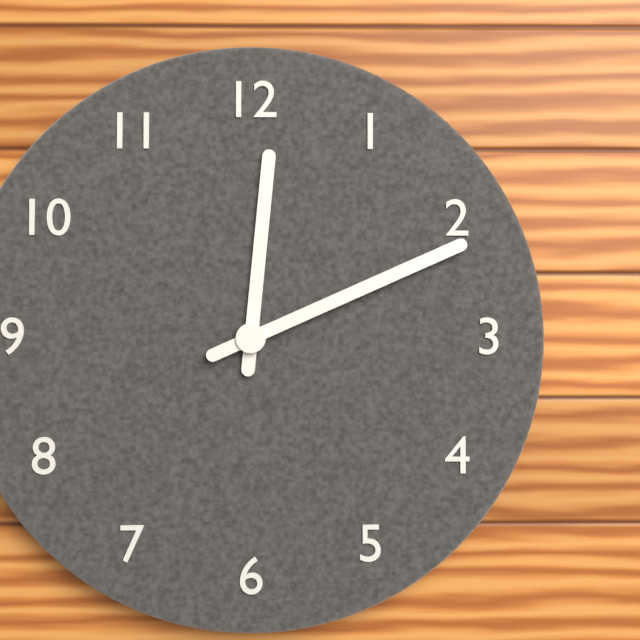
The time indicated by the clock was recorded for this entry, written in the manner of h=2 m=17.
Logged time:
h=12 m=11
